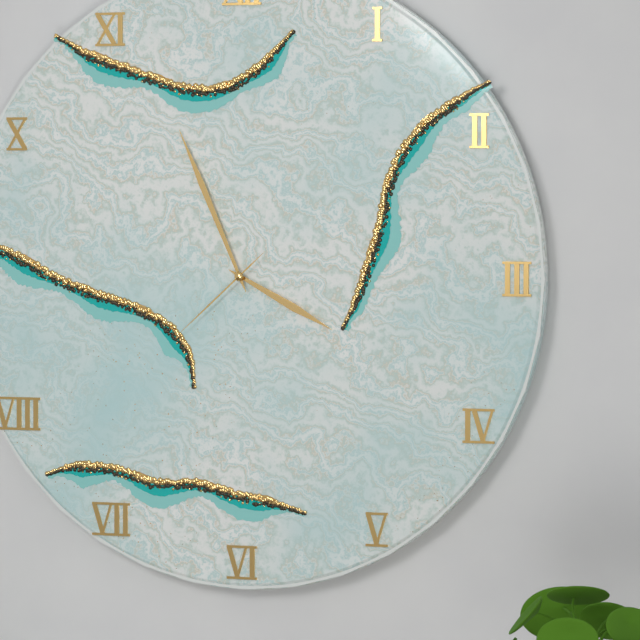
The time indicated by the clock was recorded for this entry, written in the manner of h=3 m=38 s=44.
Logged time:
h=3 m=56 s=38
